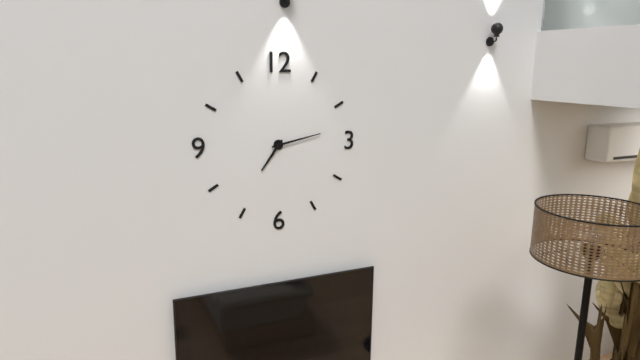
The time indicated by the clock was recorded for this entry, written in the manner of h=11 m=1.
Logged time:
h=7 m=13
